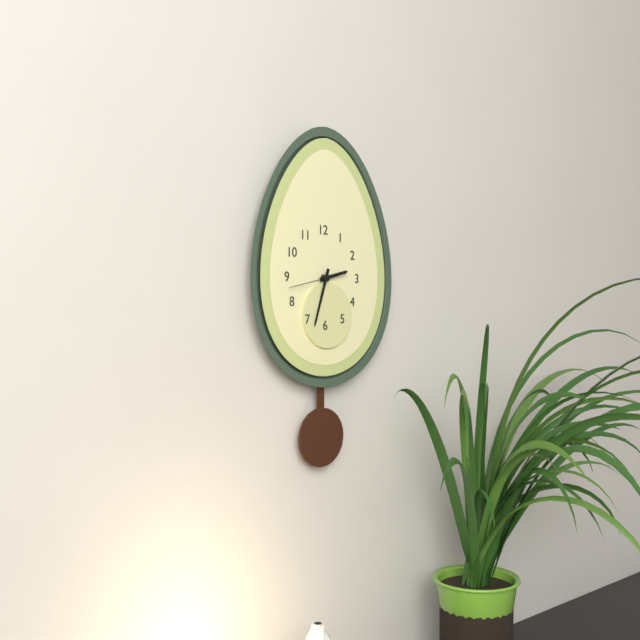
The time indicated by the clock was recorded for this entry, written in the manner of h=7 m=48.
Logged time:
h=2 m=33
